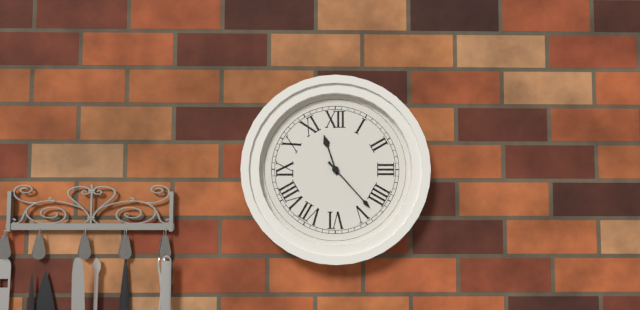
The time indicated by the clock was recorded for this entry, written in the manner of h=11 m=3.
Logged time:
h=11 m=23
